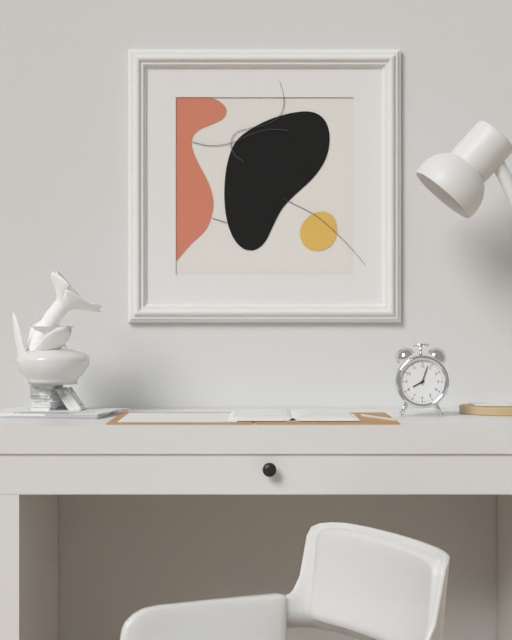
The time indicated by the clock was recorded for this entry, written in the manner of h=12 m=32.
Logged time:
h=8 m=3
